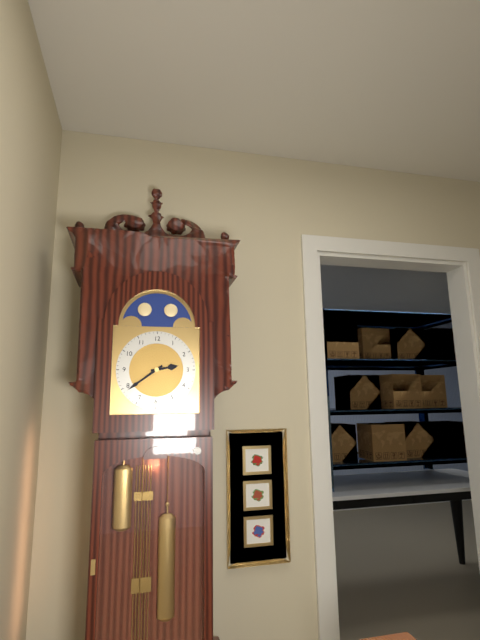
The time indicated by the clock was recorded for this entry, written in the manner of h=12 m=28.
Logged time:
h=2 m=39
